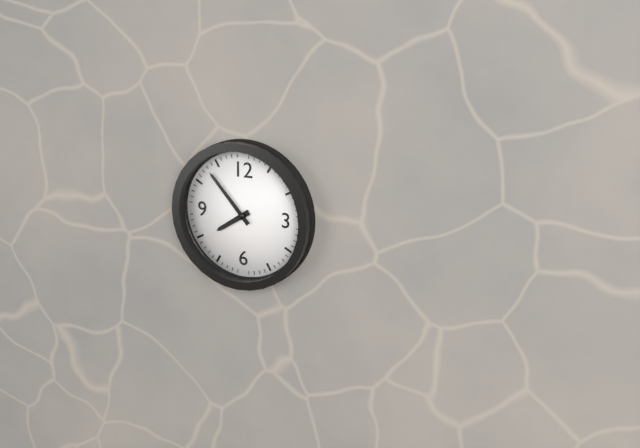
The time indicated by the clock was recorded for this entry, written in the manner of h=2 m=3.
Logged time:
h=7 m=53
